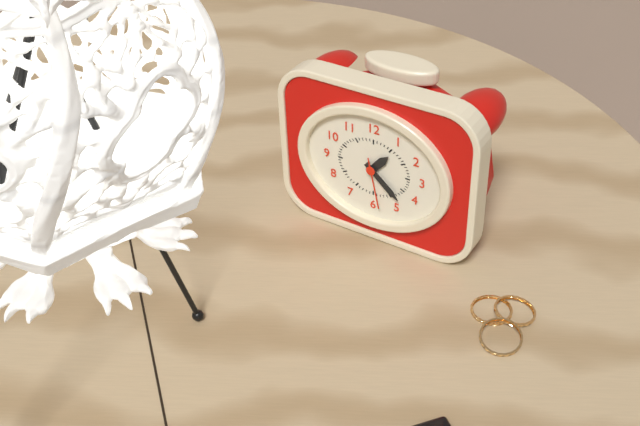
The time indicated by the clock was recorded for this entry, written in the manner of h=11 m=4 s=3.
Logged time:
h=1 m=22 s=28
